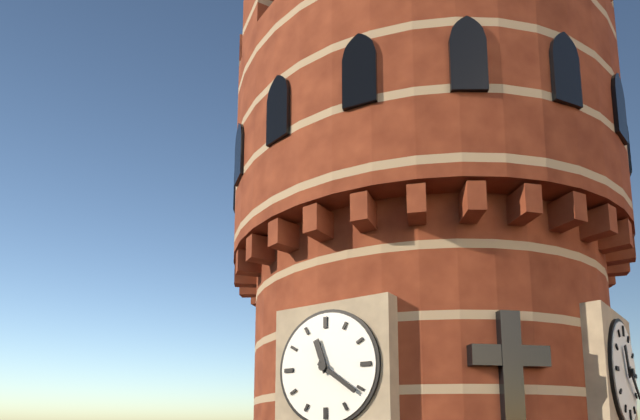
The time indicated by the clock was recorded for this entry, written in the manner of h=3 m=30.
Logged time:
h=11 m=21
